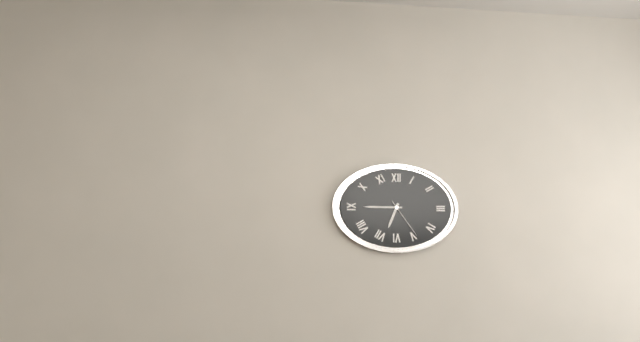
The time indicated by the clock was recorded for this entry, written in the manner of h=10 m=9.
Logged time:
h=6 m=45
